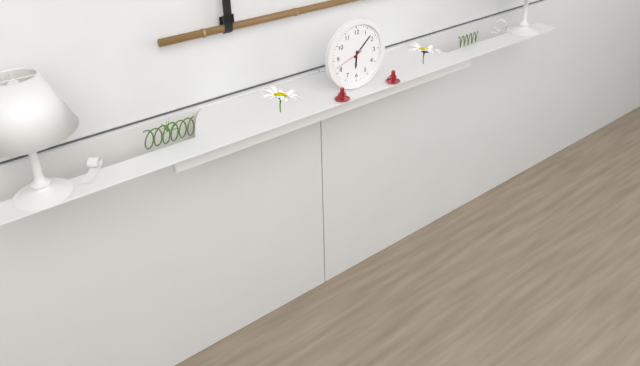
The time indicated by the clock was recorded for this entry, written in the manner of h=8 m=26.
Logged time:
h=6 m=8
